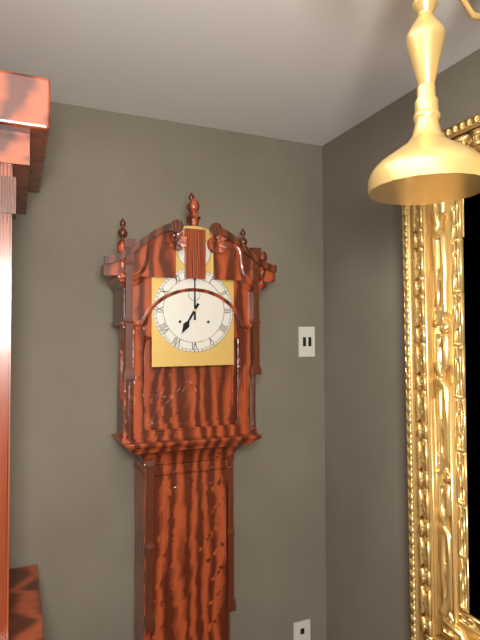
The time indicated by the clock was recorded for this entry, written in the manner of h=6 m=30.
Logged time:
h=7 m=0
